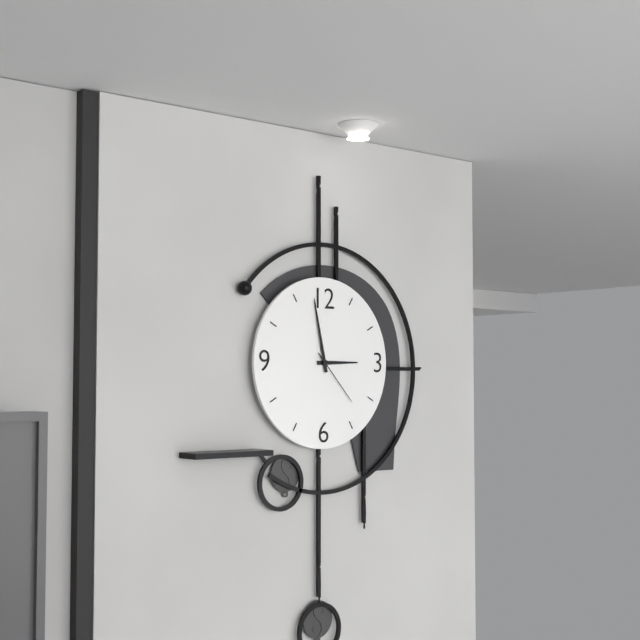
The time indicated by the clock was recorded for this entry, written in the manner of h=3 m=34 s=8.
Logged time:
h=2 m=58 s=23
